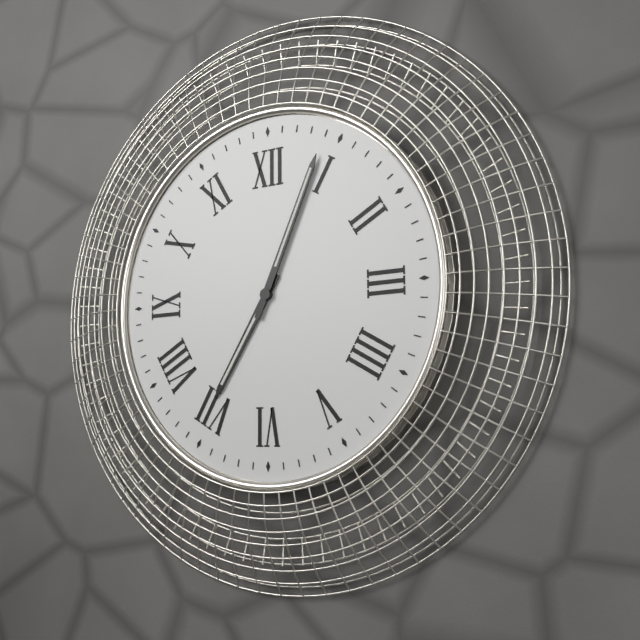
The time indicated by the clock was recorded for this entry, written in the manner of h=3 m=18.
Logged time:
h=7 m=4
